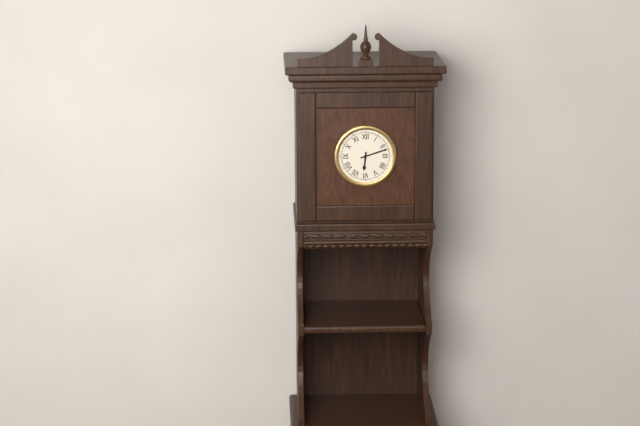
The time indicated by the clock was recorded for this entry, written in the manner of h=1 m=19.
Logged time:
h=6 m=12
